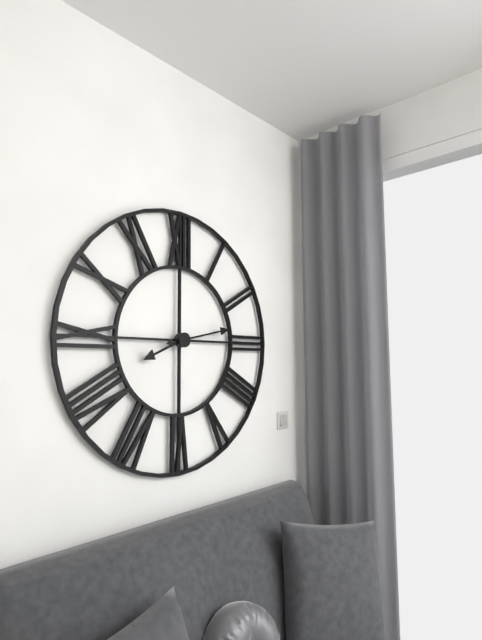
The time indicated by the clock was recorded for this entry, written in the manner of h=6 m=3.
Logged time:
h=8 m=13
